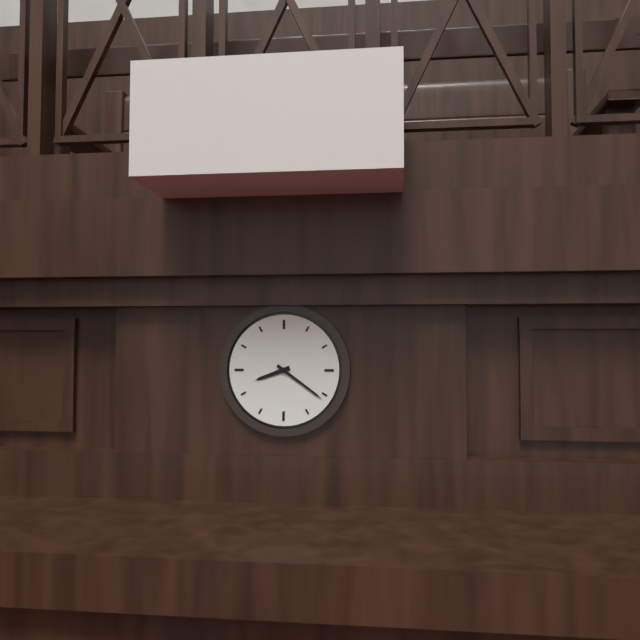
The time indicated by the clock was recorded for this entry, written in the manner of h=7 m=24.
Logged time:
h=8 m=21
